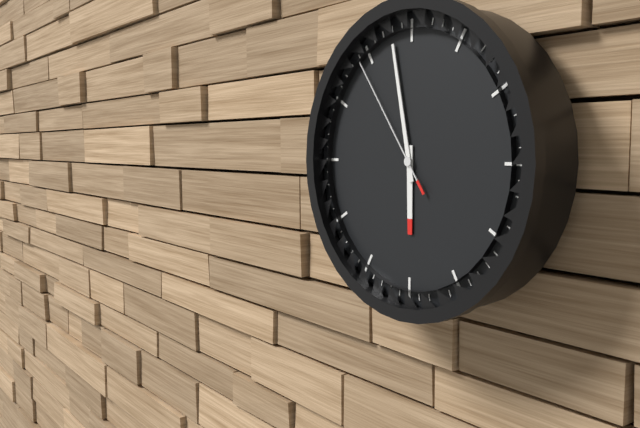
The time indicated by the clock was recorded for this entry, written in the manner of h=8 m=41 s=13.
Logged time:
h=5 m=58 s=54
